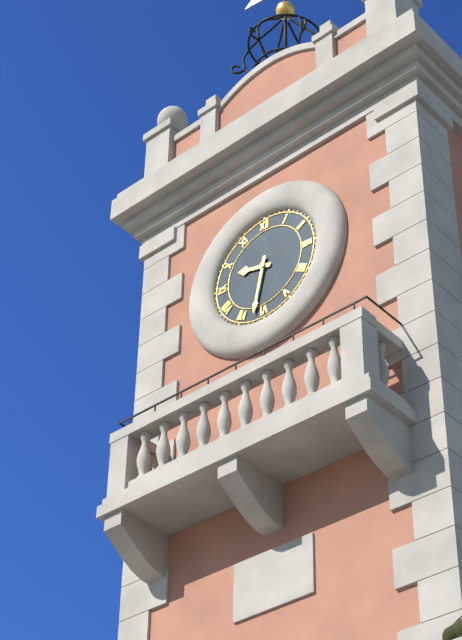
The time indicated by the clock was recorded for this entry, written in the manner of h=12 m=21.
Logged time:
h=9 m=32
